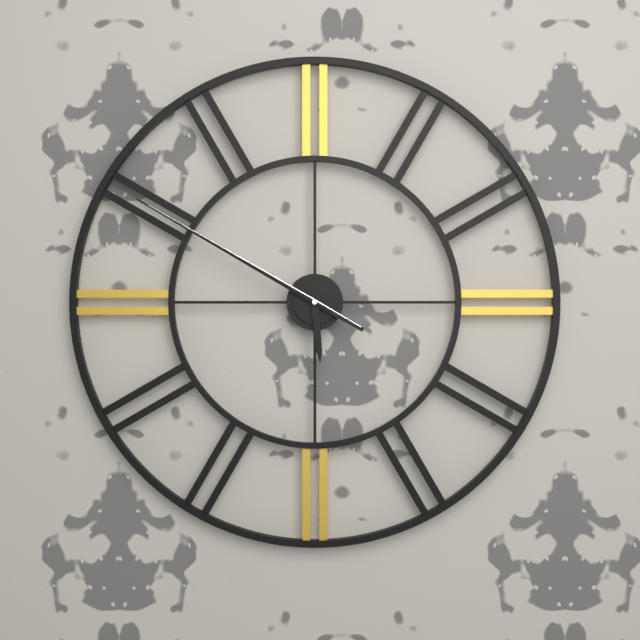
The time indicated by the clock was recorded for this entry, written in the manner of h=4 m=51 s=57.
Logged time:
h=5 m=50 s=50
